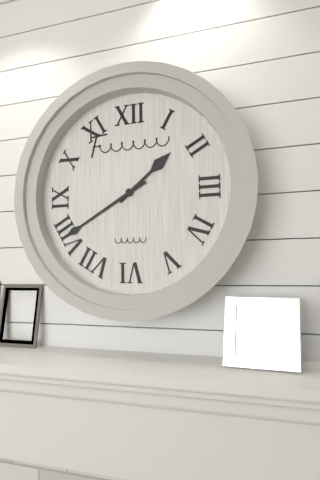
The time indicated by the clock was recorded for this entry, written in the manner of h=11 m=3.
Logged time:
h=1 m=40
